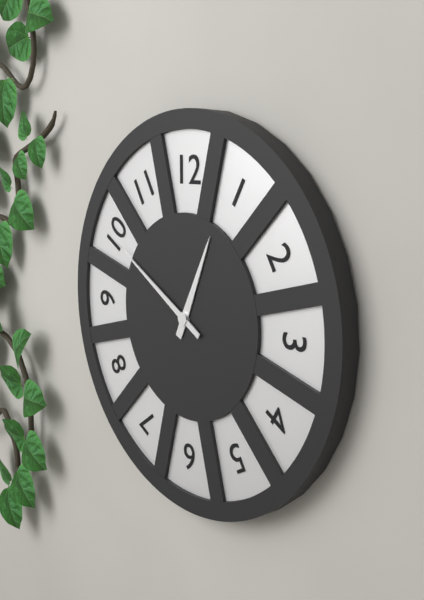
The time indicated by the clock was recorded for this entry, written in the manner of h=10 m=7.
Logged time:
h=12 m=50
